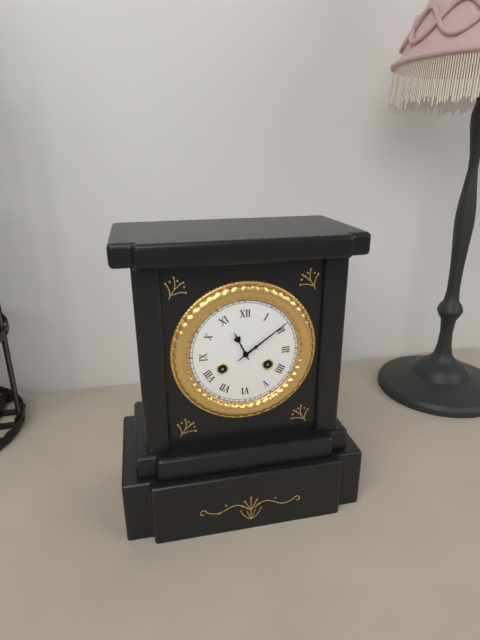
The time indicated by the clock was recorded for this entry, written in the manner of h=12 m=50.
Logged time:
h=11 m=9
